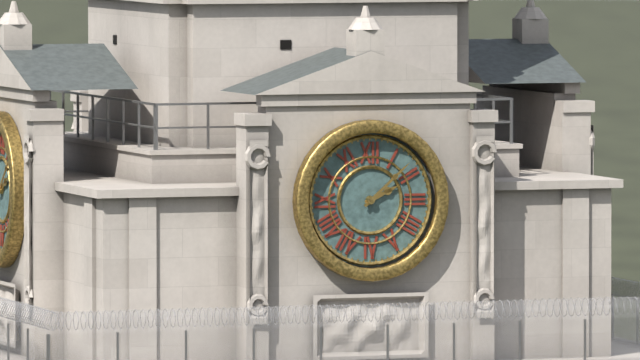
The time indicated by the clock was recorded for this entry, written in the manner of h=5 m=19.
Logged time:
h=2 m=8
